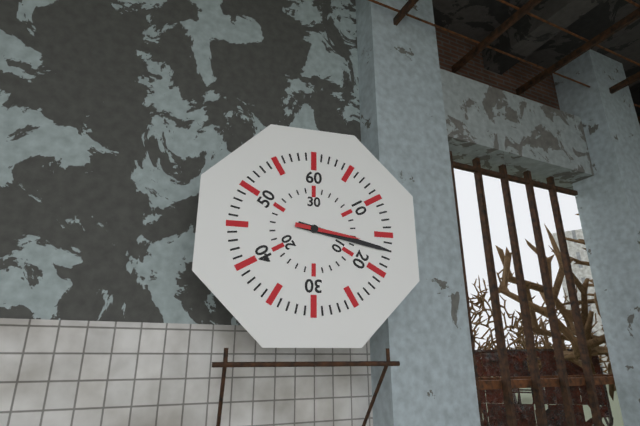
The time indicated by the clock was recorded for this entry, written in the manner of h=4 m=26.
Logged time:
h=3 m=17
